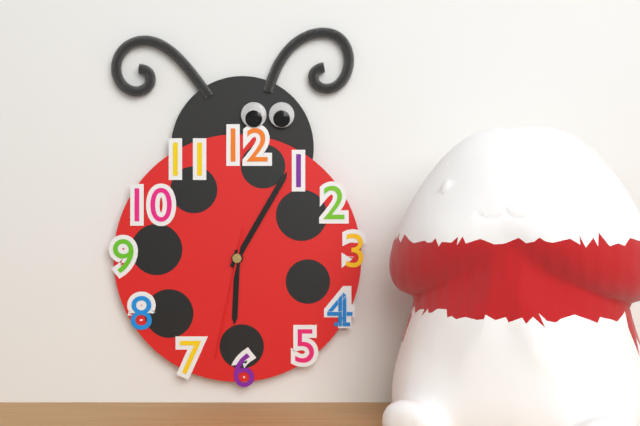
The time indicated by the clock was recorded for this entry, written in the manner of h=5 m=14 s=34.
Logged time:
h=6 m=5 s=32
